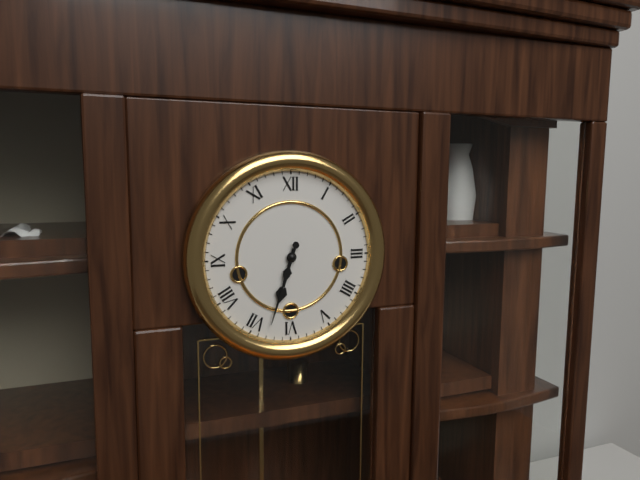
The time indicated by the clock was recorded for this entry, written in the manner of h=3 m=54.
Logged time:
h=6 m=33
